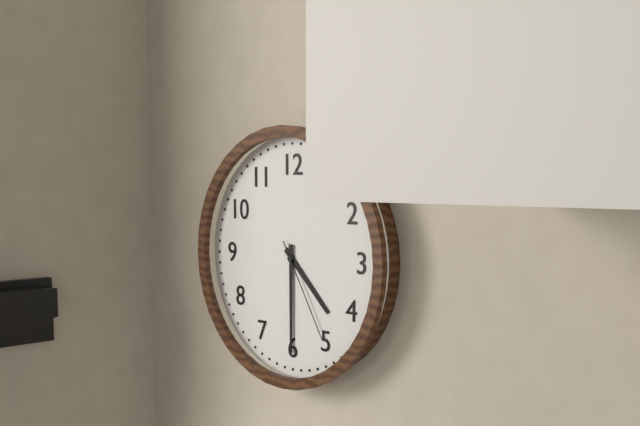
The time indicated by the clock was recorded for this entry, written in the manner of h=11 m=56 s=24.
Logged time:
h=4 m=30 s=25
